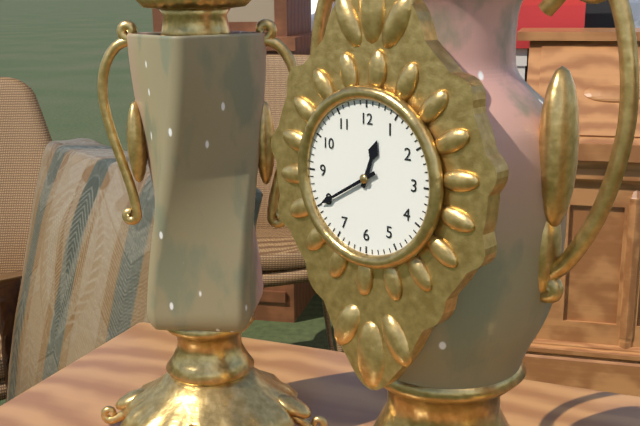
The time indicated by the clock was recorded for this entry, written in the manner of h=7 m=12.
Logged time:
h=12 m=40
